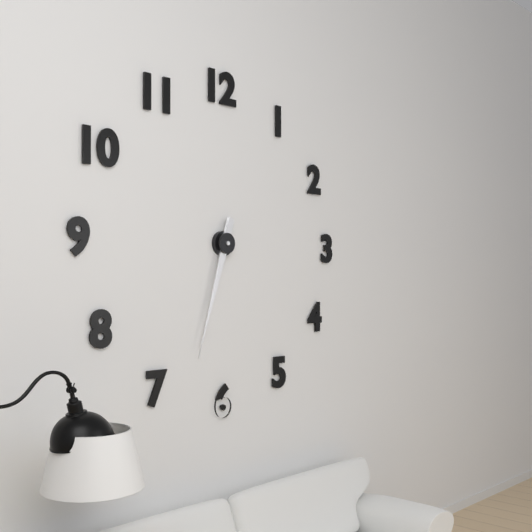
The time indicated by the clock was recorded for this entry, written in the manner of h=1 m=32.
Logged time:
h=6 m=33
